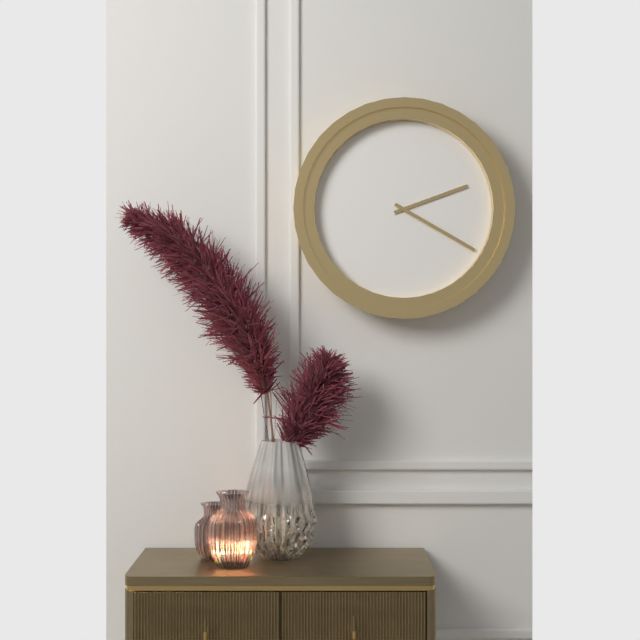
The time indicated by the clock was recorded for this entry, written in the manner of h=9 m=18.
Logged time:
h=2 m=20
